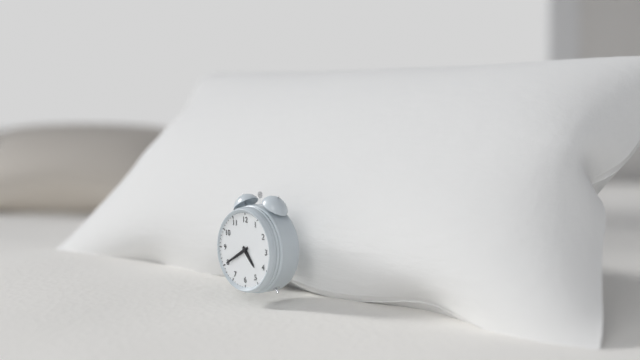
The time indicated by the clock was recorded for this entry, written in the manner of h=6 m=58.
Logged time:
h=4 m=40
